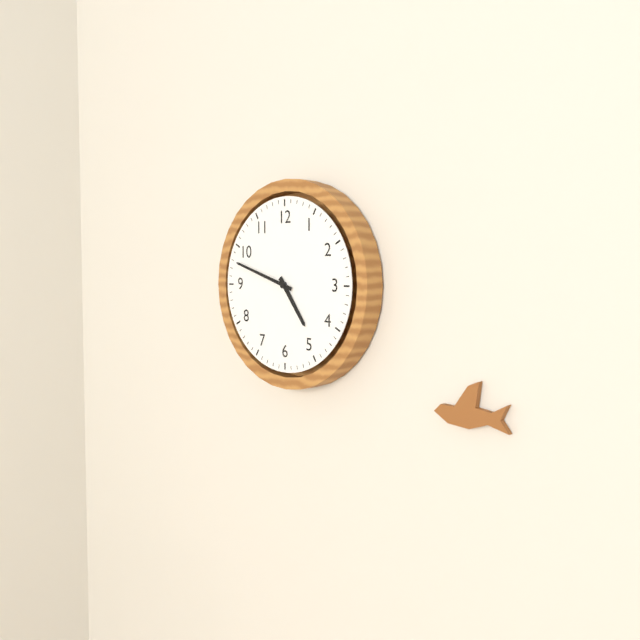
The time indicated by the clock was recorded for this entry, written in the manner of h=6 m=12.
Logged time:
h=4 m=48
